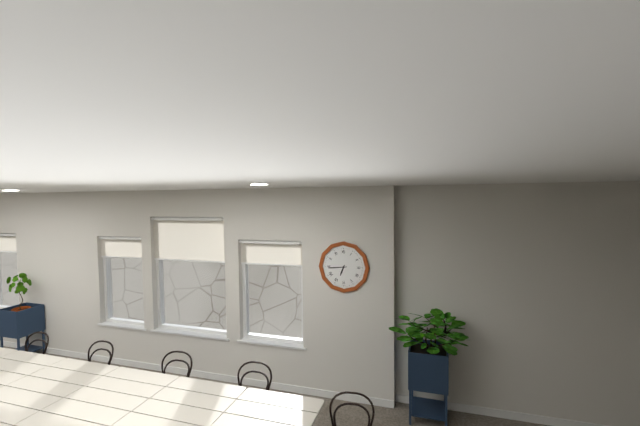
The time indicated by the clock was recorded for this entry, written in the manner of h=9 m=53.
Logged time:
h=6 m=44
